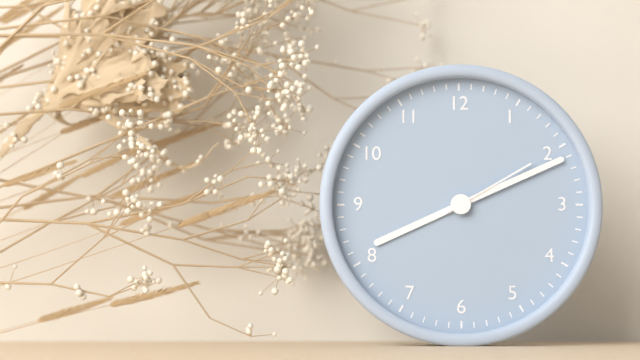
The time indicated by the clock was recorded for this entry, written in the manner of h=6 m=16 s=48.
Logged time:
h=8 m=11 s=10
